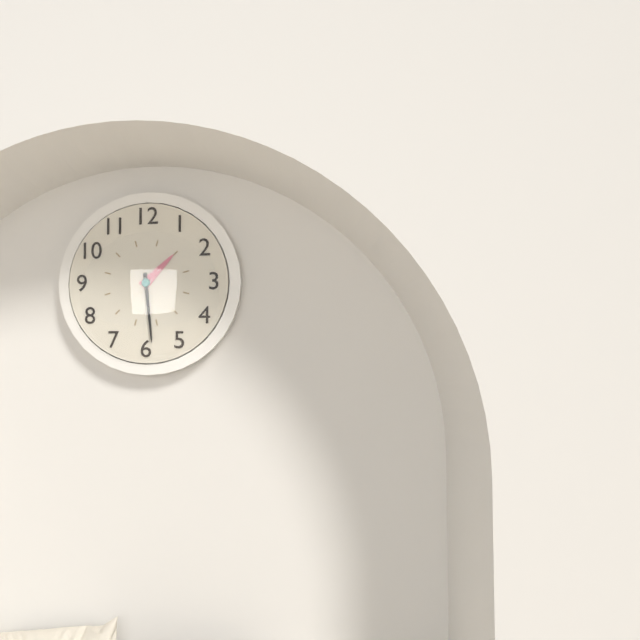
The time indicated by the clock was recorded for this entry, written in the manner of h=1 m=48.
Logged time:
h=1 m=29
